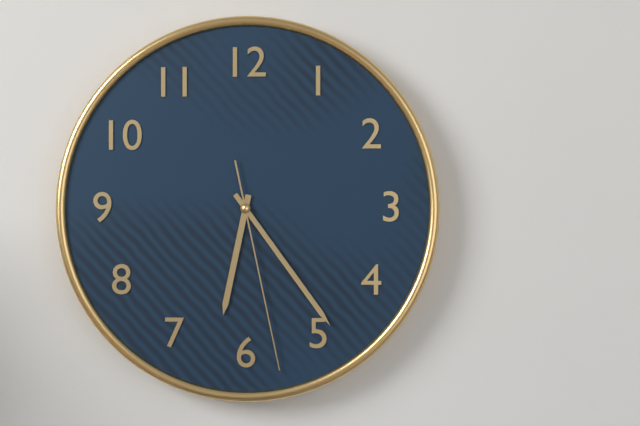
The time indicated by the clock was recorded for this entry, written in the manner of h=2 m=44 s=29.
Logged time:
h=6 m=24 s=28
